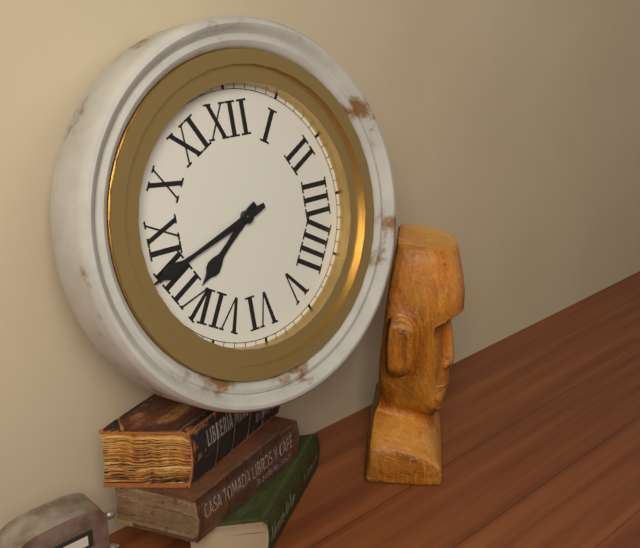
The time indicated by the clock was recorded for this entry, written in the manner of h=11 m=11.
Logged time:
h=7 m=42
